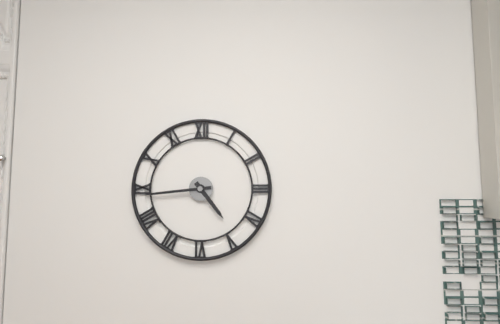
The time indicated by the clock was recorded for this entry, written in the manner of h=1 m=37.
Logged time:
h=4 m=44
